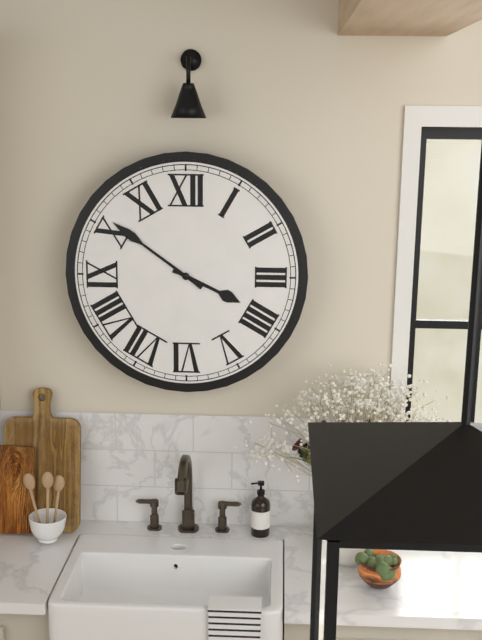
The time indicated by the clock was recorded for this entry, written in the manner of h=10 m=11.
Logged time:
h=3 m=51
